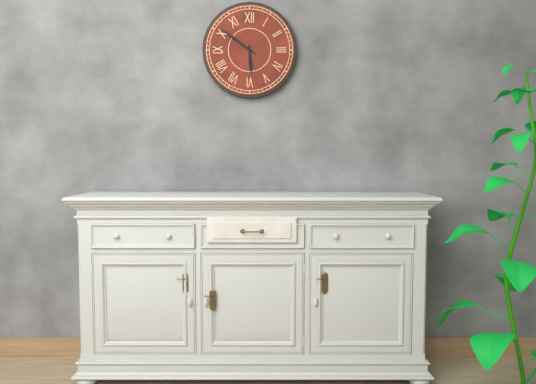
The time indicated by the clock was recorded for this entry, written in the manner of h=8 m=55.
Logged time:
h=5 m=51
